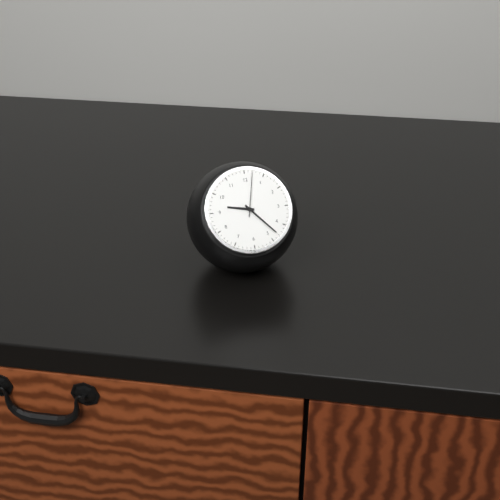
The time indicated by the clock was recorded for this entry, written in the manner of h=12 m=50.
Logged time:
h=9 m=23
